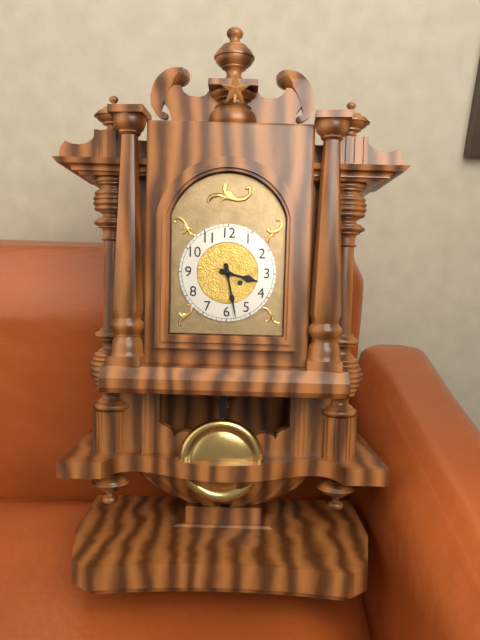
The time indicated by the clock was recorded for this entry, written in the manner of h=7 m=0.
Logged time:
h=3 m=28
